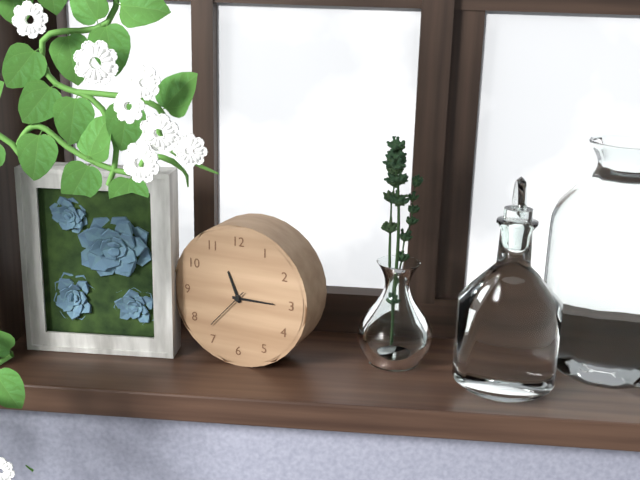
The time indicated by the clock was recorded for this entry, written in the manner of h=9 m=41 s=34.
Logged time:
h=11 m=15 s=37
